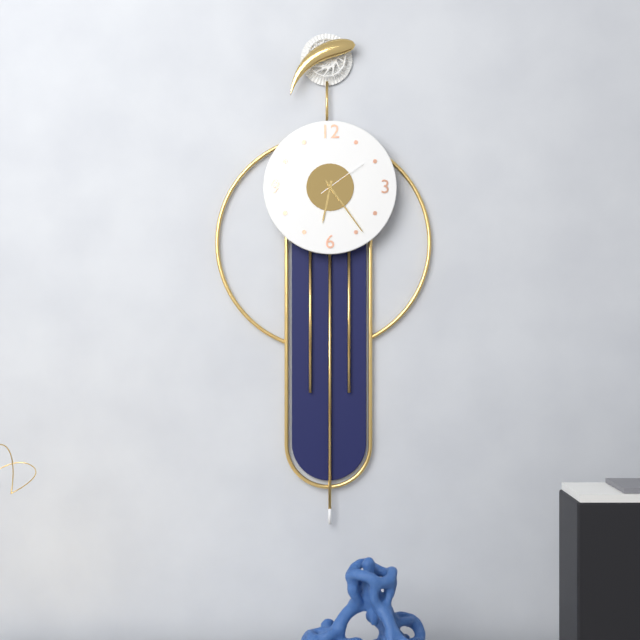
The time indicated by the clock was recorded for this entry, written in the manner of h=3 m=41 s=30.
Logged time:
h=6 m=24 s=9
